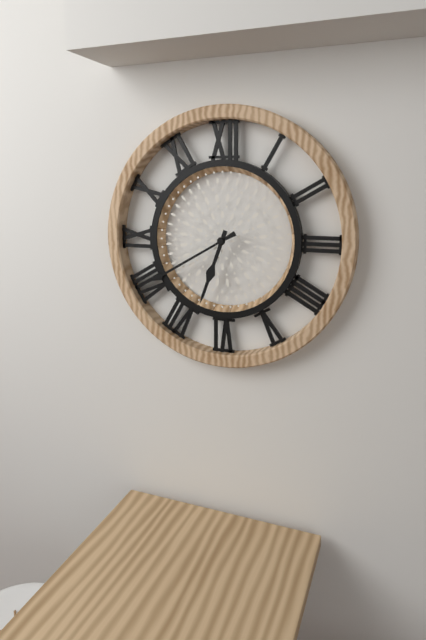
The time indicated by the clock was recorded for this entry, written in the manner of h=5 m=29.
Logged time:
h=6 m=40
